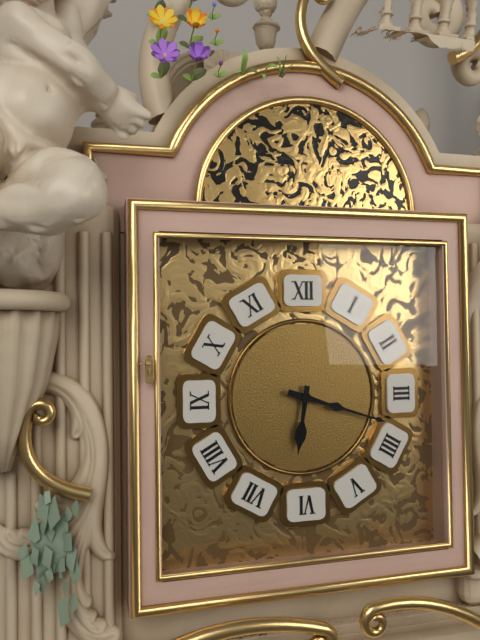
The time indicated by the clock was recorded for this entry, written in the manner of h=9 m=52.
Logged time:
h=6 m=18
